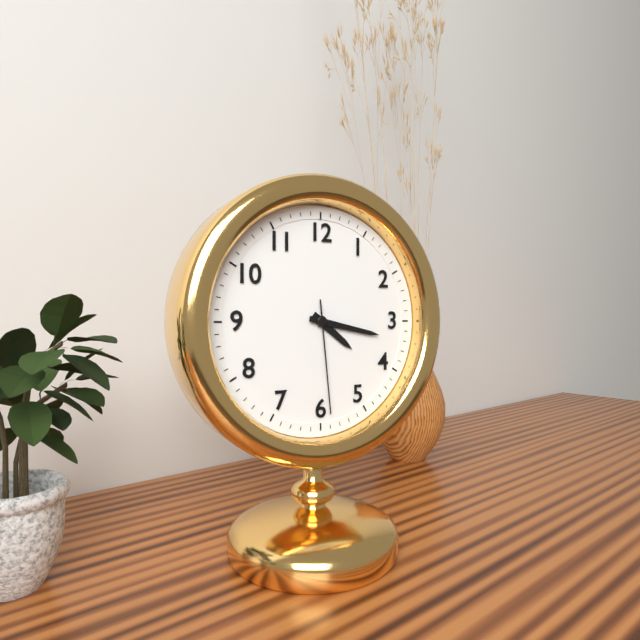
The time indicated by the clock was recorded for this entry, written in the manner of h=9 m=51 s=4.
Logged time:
h=4 m=17 s=29
